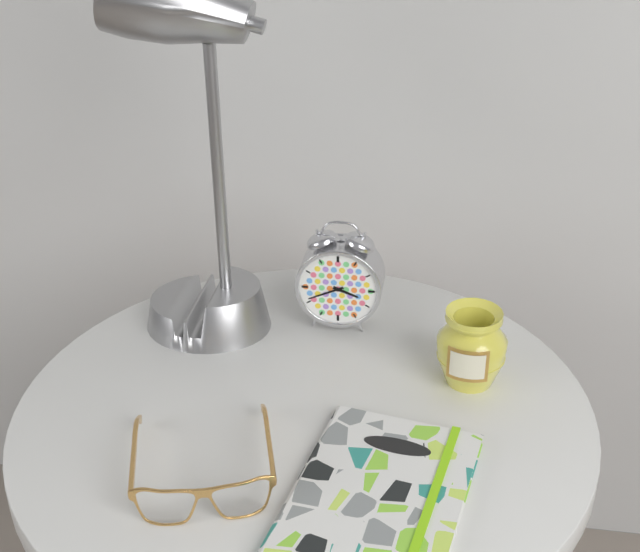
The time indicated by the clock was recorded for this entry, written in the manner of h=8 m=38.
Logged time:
h=3 m=41
